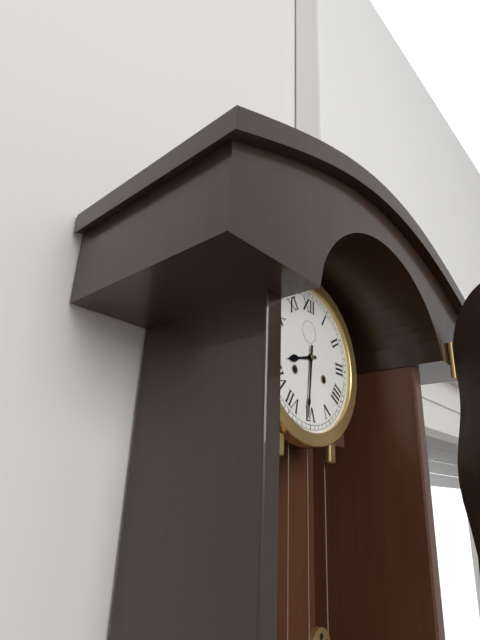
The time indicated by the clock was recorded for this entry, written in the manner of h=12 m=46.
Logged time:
h=8 m=31
